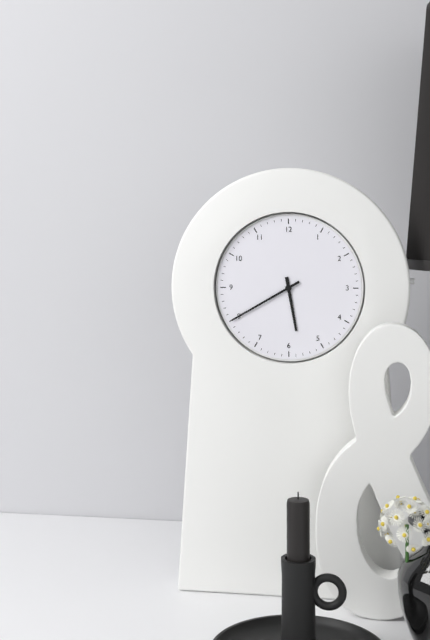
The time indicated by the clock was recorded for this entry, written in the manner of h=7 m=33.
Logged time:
h=5 m=40
